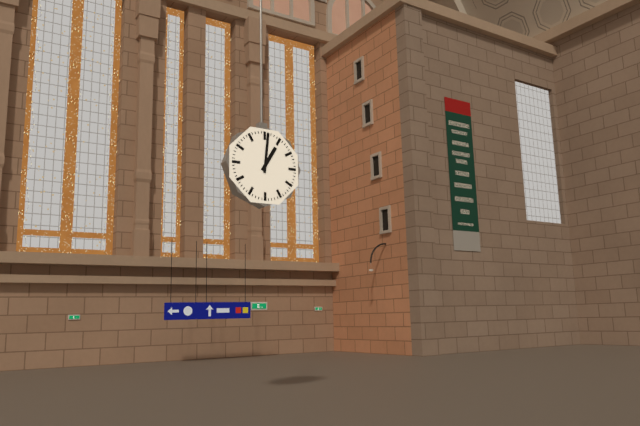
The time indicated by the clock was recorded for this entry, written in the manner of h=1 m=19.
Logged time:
h=1 m=1
